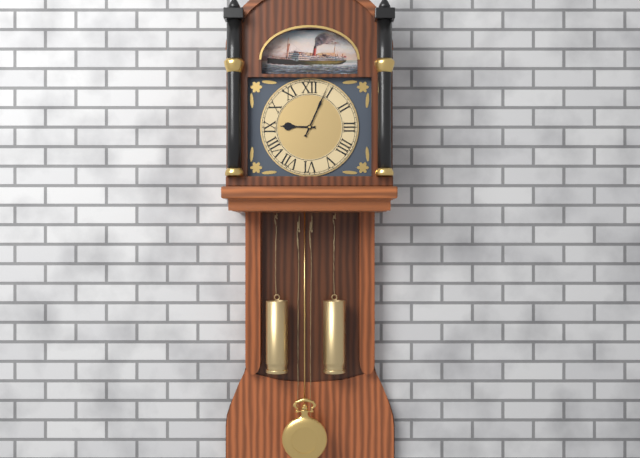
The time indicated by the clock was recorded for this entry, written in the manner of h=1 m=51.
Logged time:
h=9 m=4
